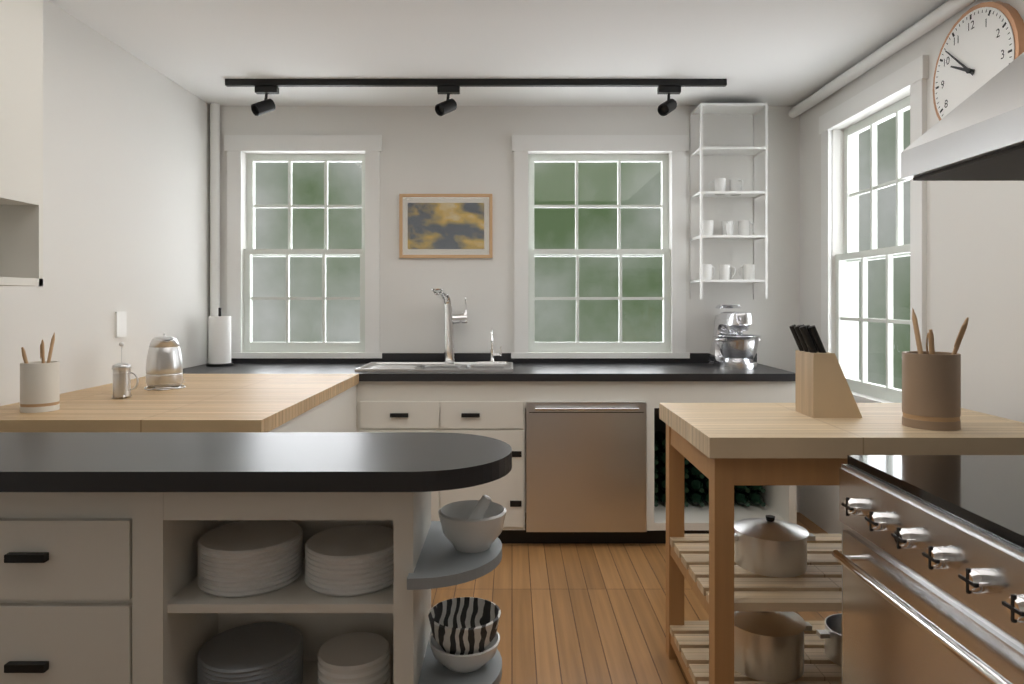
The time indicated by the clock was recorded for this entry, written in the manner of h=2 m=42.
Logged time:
h=9 m=52
